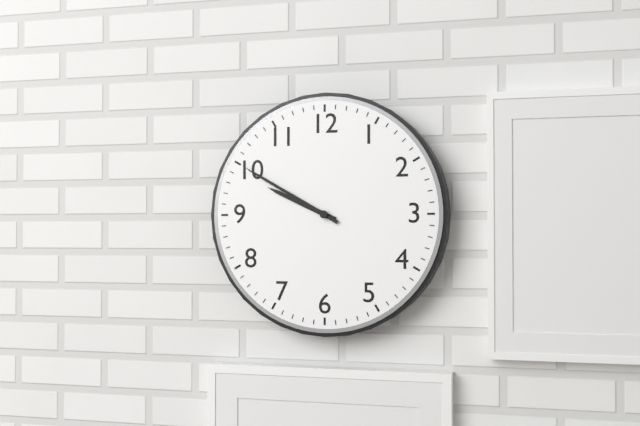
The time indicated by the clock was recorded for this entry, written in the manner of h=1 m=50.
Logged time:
h=9 m=50
